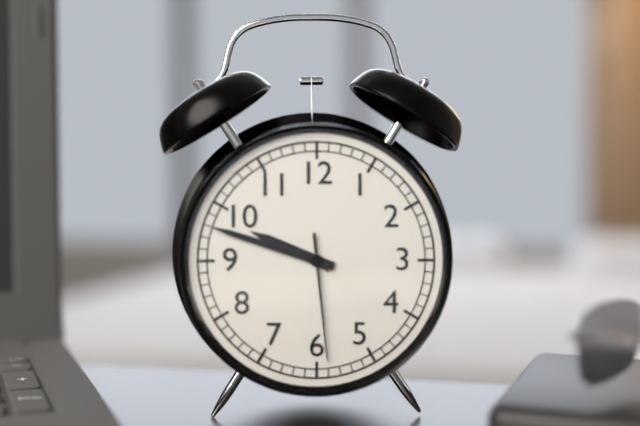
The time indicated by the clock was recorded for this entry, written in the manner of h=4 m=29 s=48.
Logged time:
h=9 m=48 s=29
